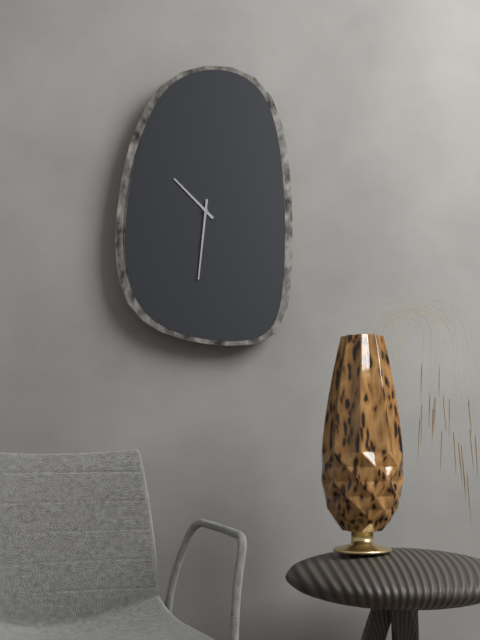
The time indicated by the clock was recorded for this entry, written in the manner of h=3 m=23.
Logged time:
h=10 m=31
